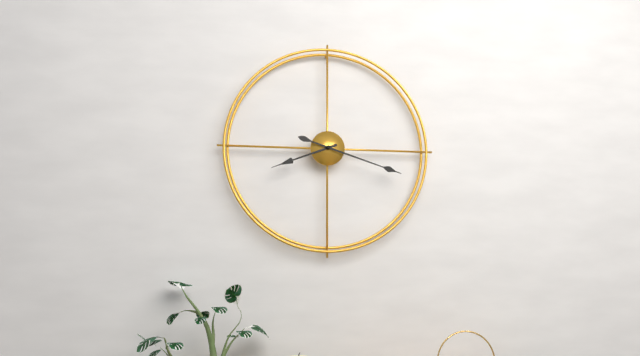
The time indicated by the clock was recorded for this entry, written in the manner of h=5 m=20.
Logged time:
h=8 m=18
